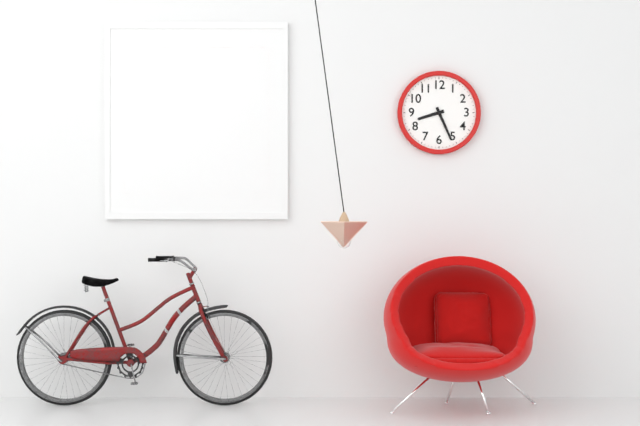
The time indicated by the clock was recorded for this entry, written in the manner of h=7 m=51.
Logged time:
h=8 m=26
